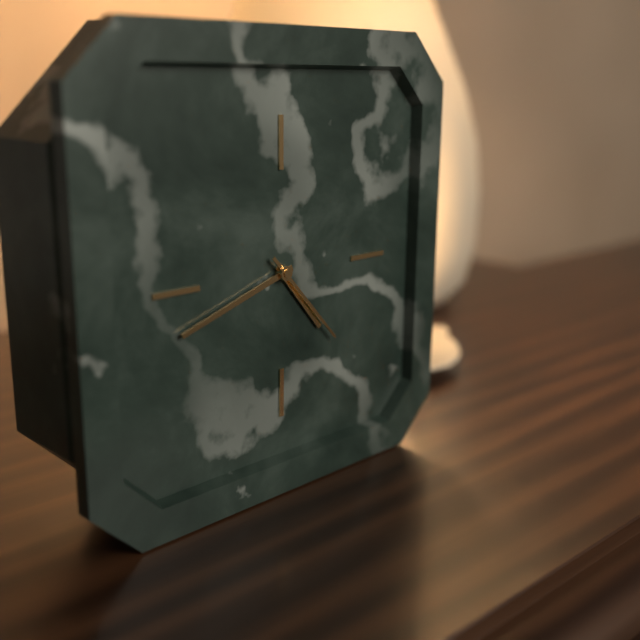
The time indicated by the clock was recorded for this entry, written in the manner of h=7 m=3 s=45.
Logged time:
h=4 m=42 s=23
